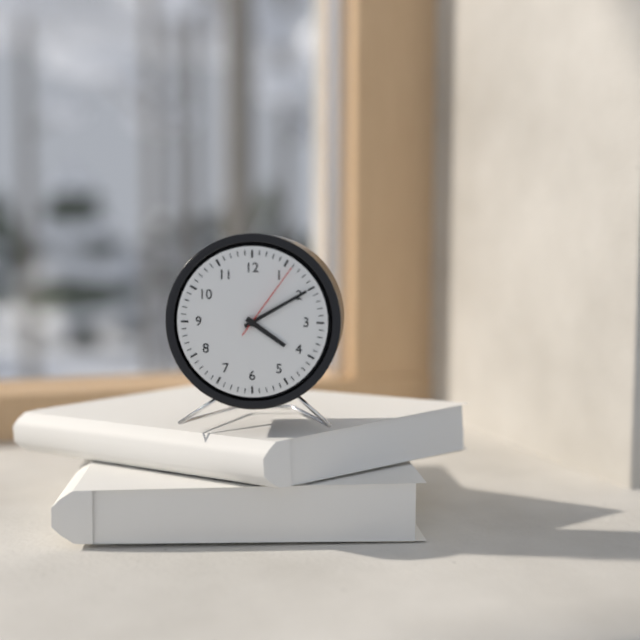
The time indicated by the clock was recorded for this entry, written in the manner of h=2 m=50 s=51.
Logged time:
h=4 m=10 s=6
